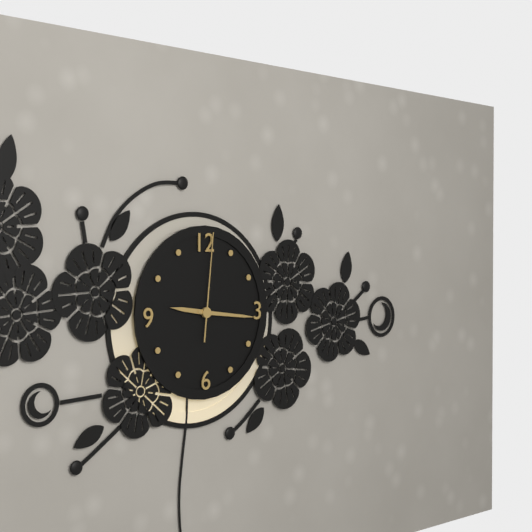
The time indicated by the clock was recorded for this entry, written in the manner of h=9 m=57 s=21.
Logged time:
h=9 m=16 s=1
